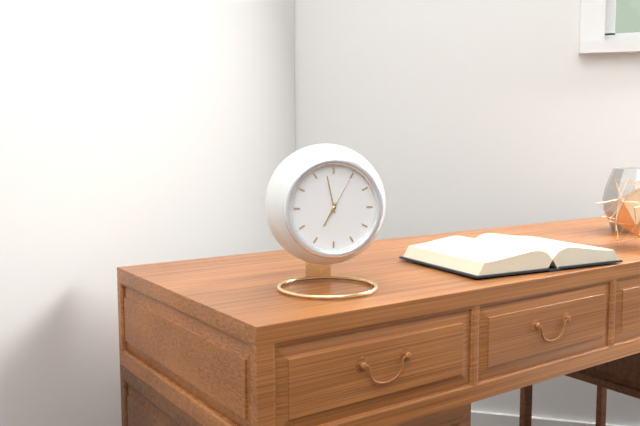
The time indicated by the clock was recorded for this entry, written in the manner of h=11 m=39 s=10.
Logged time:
h=6 m=58 s=5
